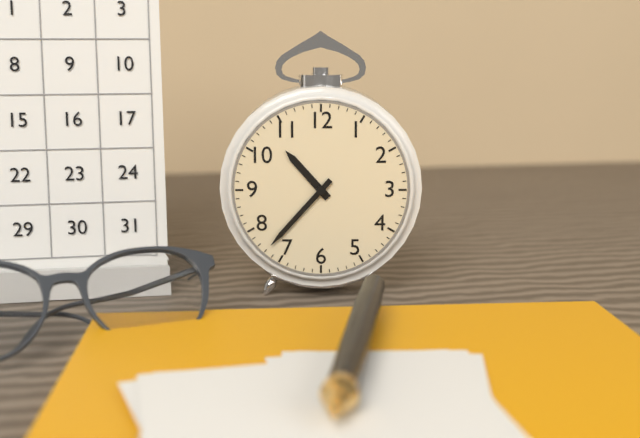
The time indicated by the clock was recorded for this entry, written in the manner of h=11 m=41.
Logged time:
h=10 m=37
